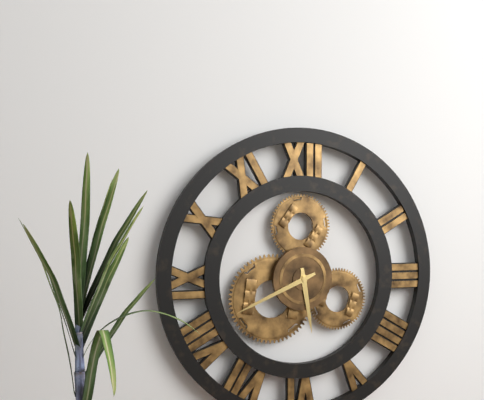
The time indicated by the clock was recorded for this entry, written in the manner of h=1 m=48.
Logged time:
h=5 m=41
